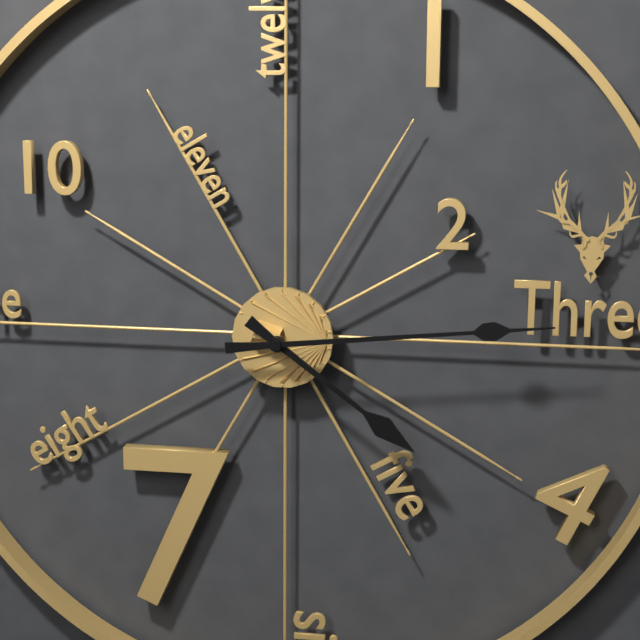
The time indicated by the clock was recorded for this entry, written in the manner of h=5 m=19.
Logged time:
h=4 m=14
